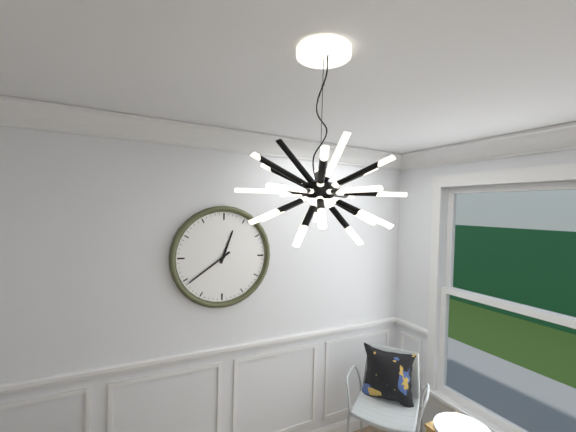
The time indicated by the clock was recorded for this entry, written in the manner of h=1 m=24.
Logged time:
h=12 m=39
